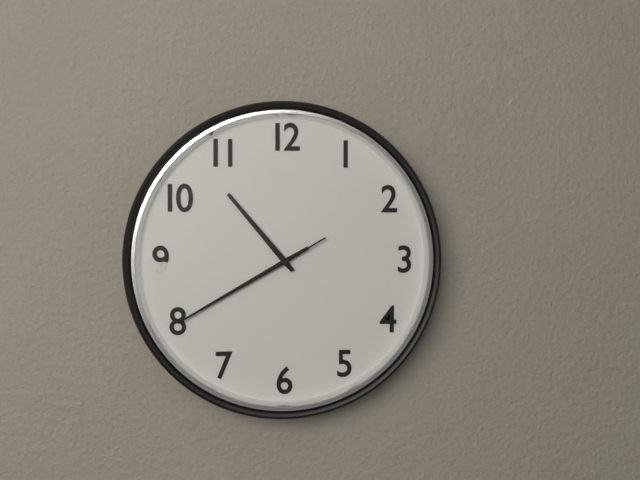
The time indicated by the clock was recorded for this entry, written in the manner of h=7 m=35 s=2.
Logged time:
h=10 m=40 s=40
